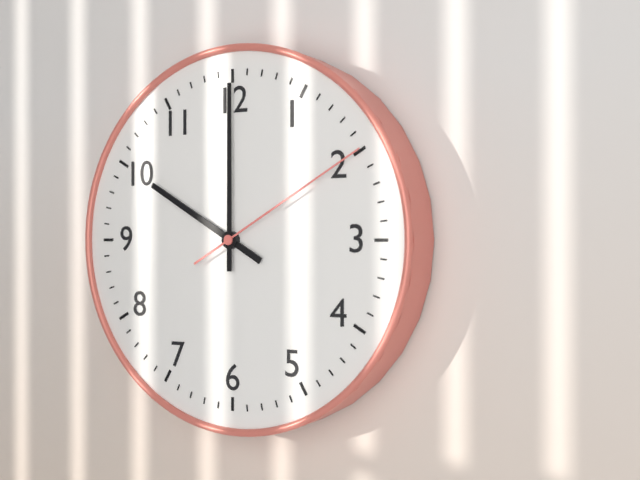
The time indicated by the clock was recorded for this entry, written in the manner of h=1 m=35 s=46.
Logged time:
h=10 m=0 s=10
